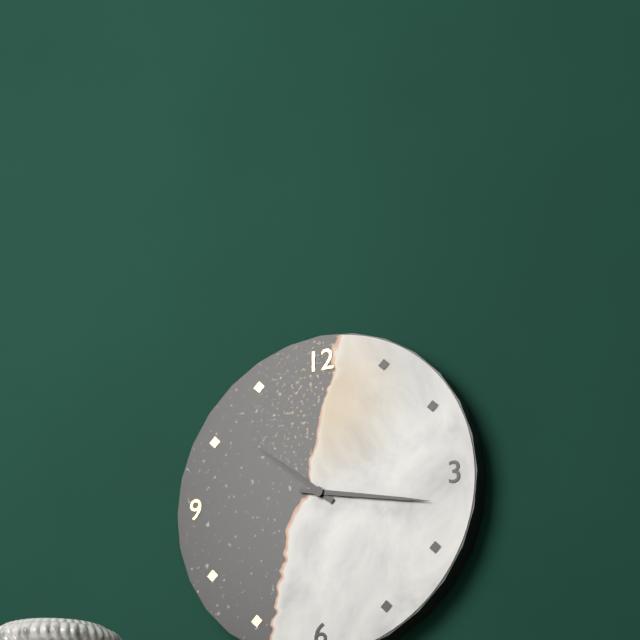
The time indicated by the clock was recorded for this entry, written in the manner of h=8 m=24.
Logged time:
h=10 m=17
